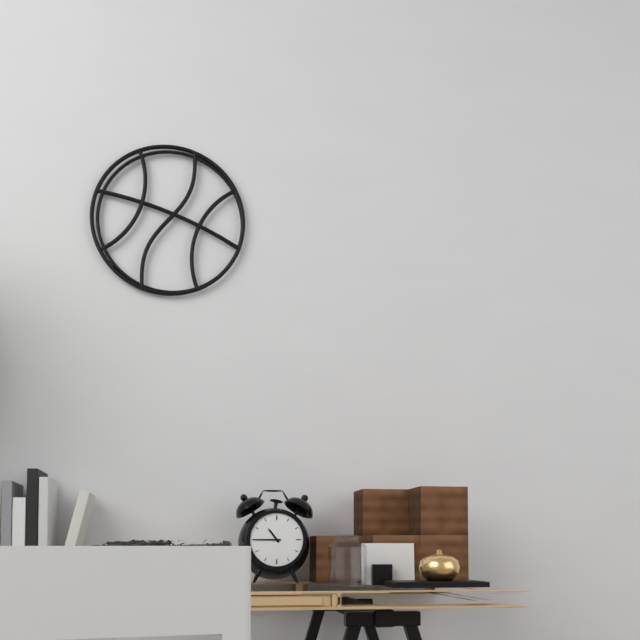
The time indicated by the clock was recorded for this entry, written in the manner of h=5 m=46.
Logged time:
h=10 m=45
